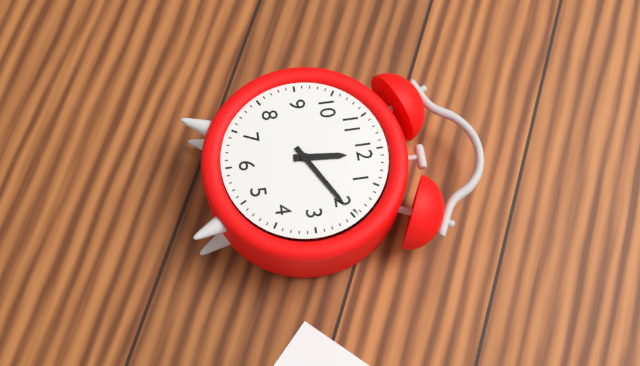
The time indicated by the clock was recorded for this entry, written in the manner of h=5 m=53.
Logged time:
h=12 m=10
